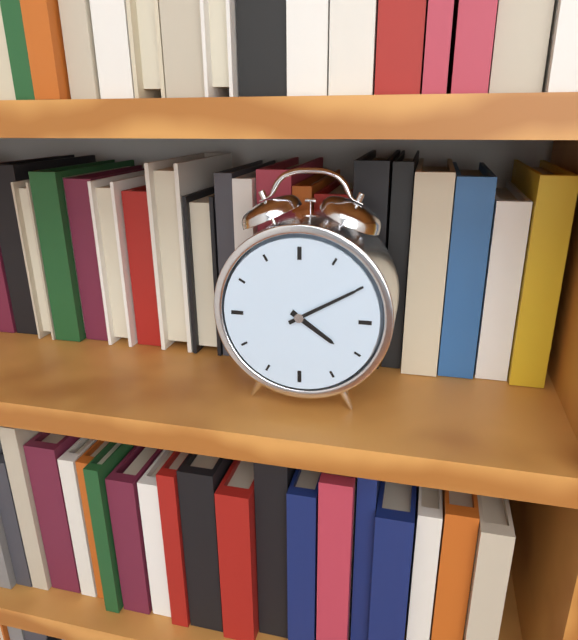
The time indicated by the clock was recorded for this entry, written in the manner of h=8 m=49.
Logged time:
h=4 m=10
